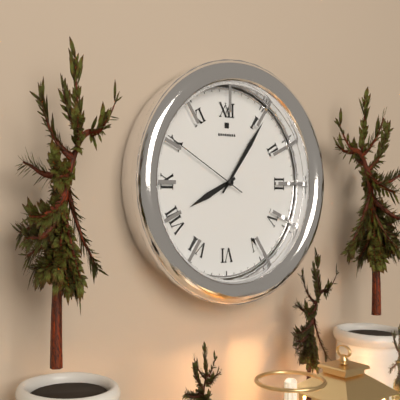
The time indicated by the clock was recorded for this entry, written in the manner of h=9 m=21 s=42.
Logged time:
h=8 m=6 s=50
